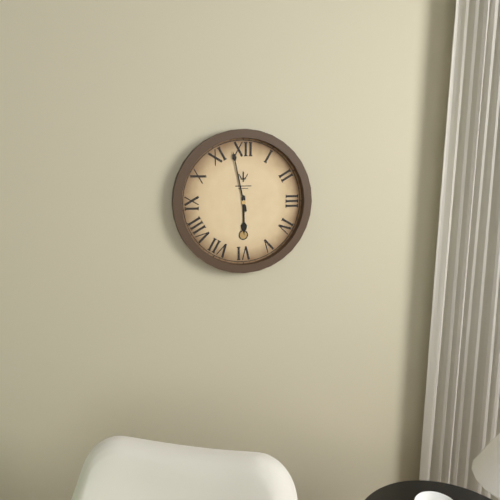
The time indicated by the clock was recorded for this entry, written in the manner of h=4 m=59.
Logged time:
h=5 m=58
